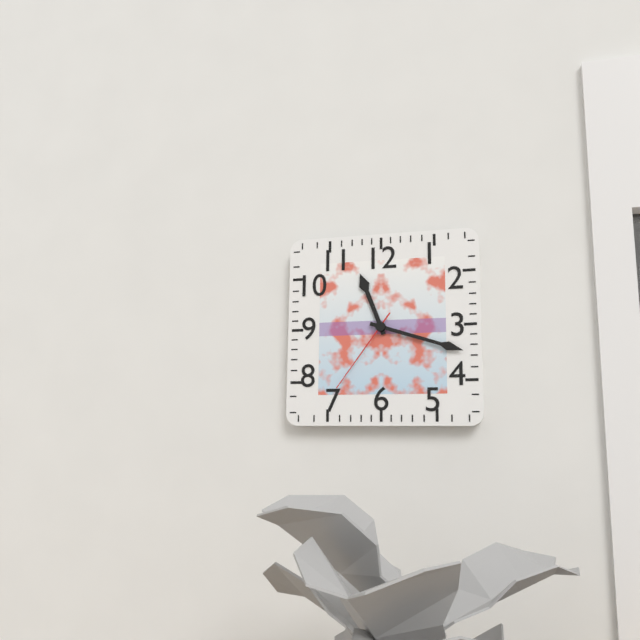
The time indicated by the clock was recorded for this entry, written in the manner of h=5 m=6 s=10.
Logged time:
h=11 m=18 s=36
